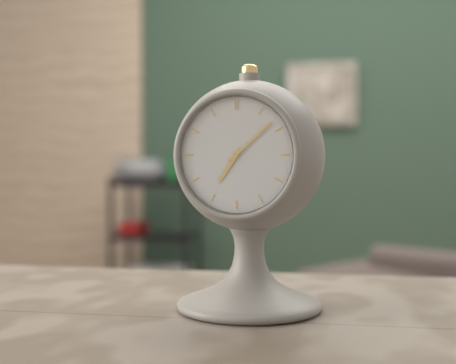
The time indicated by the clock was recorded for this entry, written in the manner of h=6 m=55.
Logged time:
h=7 m=8
